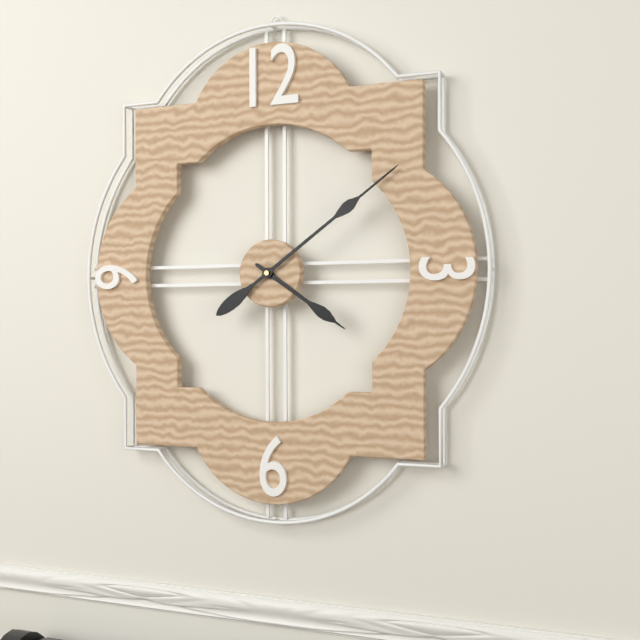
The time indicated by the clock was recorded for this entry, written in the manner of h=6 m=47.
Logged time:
h=4 m=9
